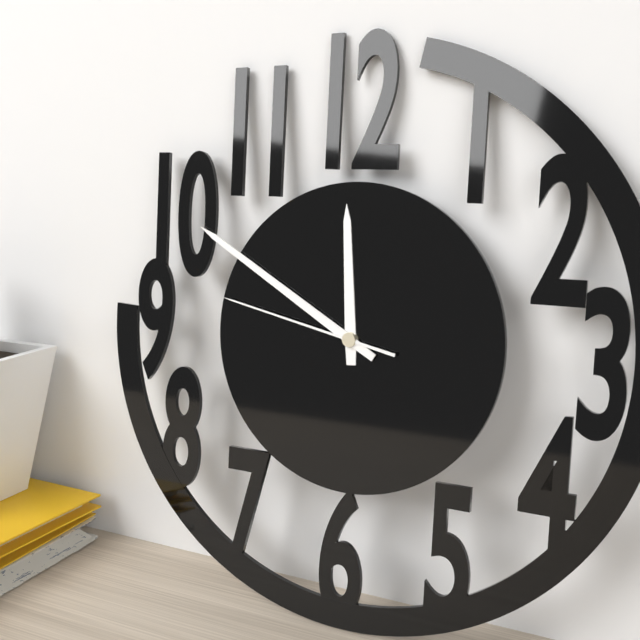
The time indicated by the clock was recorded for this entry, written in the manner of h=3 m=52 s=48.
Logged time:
h=11 m=50 s=47
